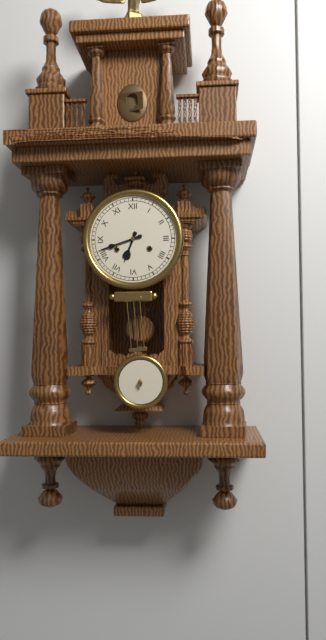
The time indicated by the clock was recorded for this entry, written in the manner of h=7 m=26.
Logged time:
h=6 m=42
